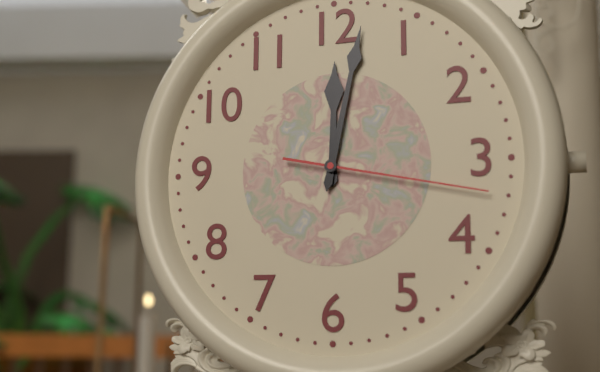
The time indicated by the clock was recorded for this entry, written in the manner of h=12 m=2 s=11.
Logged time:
h=12 m=2 s=17
